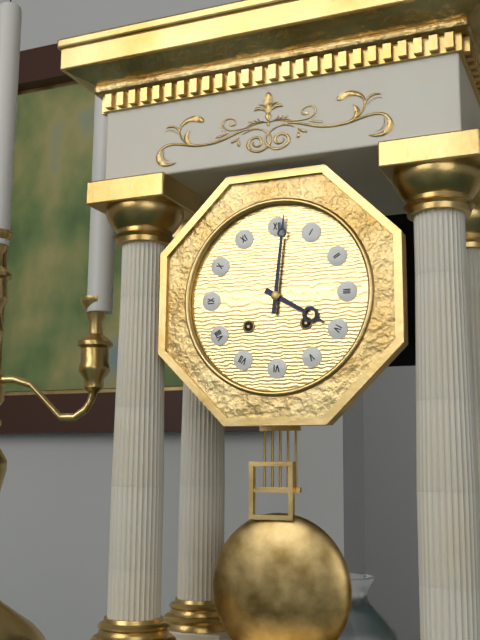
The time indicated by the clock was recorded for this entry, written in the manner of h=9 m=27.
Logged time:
h=4 m=1
